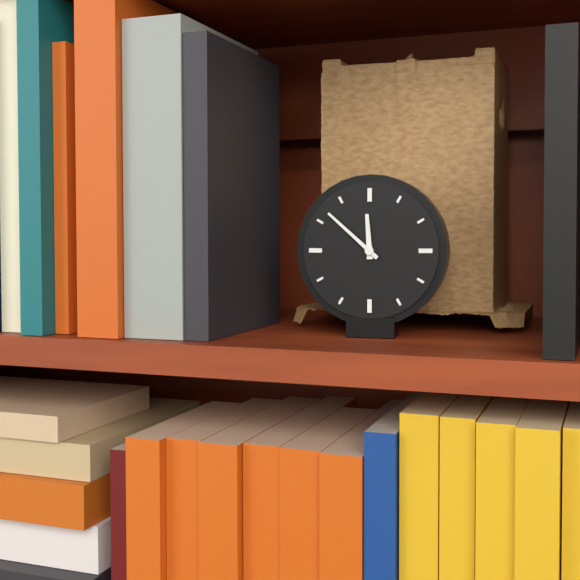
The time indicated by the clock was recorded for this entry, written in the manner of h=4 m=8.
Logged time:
h=11 m=52
